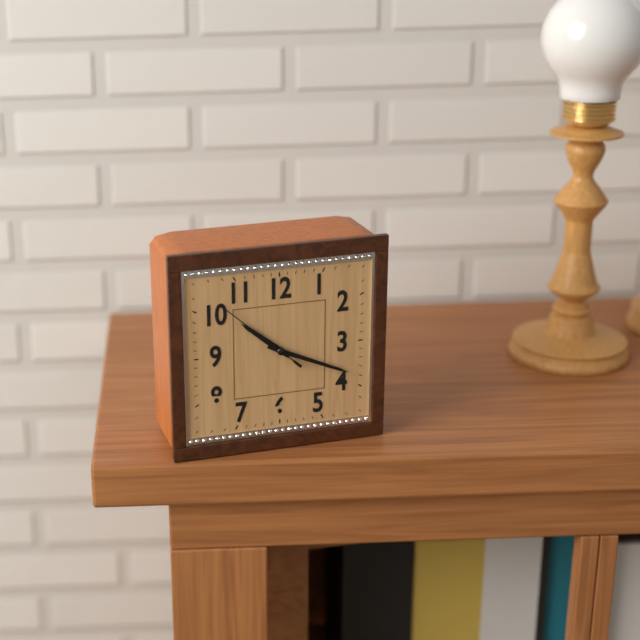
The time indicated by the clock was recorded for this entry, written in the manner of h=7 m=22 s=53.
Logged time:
h=10 m=19 s=52
